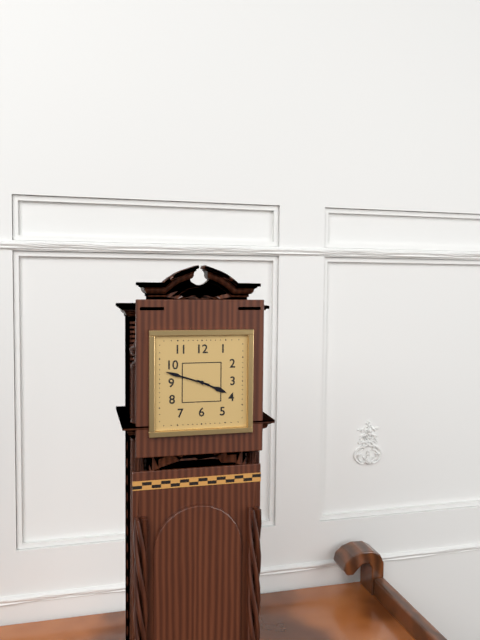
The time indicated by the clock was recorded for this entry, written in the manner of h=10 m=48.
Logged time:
h=3 m=48
